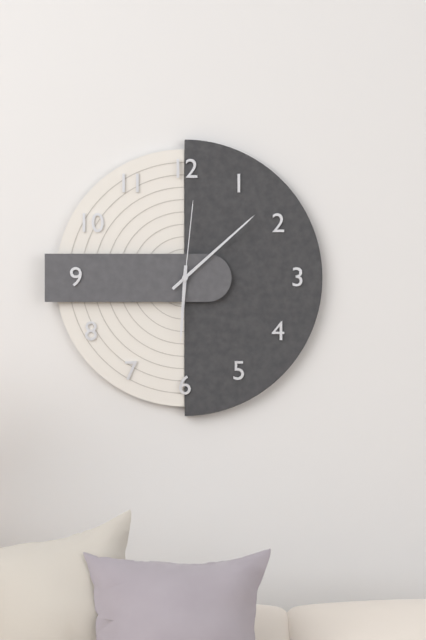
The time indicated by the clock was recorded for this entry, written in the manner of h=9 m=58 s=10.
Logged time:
h=6 m=8 s=1
